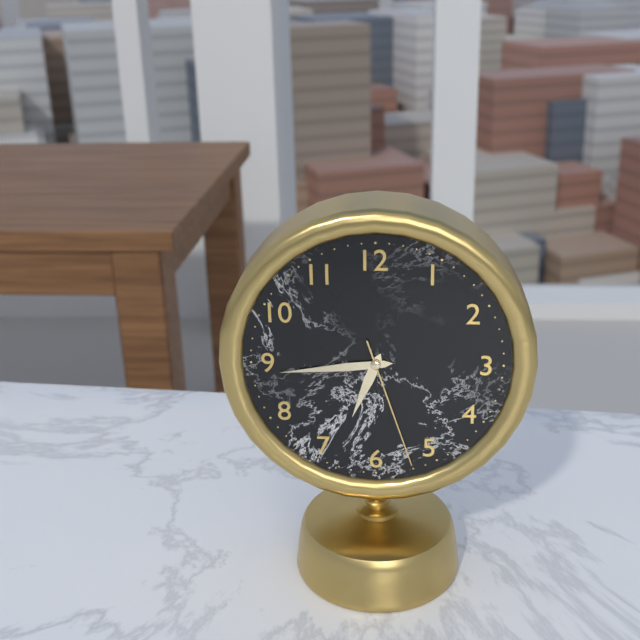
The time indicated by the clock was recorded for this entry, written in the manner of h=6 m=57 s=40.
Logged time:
h=6 m=44 s=27
